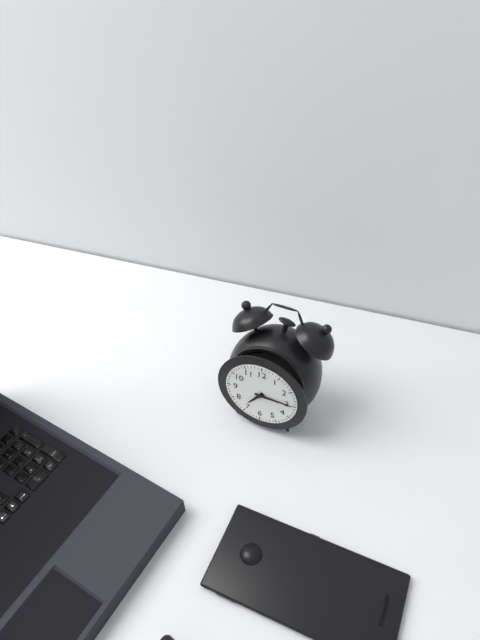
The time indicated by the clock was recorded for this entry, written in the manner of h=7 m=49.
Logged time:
h=7 m=15
